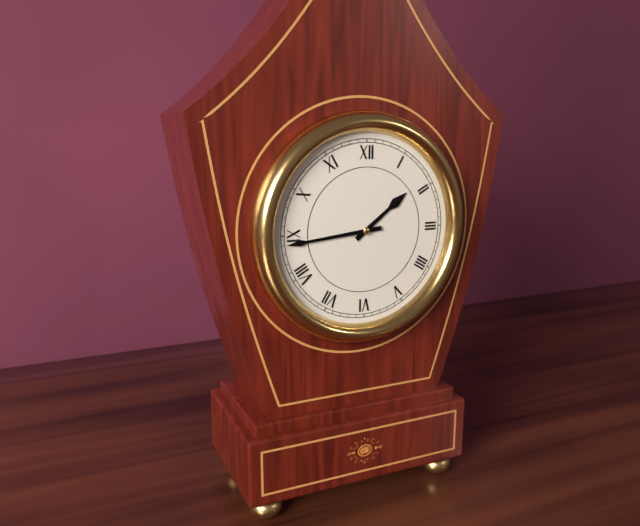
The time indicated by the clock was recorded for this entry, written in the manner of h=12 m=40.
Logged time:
h=1 m=44
